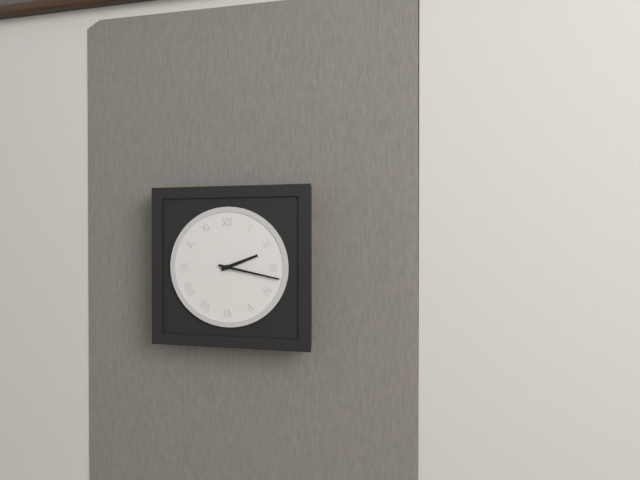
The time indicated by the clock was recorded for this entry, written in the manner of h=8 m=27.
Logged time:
h=2 m=17
